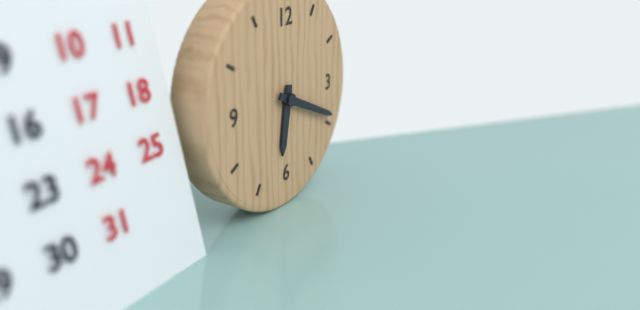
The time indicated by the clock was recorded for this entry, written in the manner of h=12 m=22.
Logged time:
h=6 m=19
